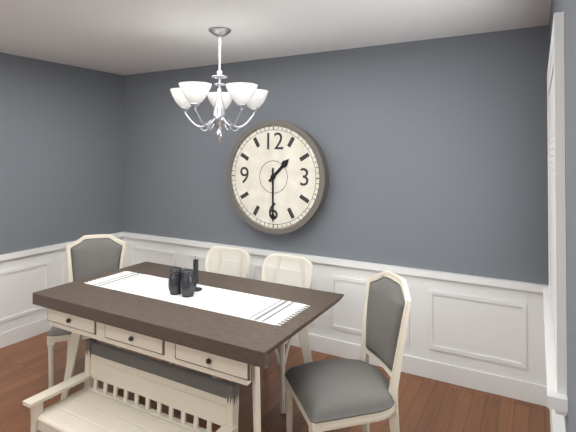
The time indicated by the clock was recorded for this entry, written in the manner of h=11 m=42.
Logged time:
h=1 m=30
